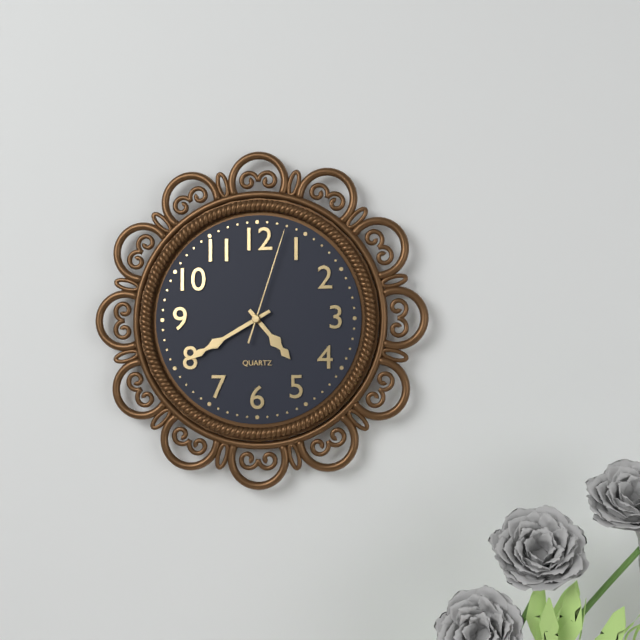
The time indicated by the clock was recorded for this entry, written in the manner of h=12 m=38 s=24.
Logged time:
h=4 m=40 s=3
